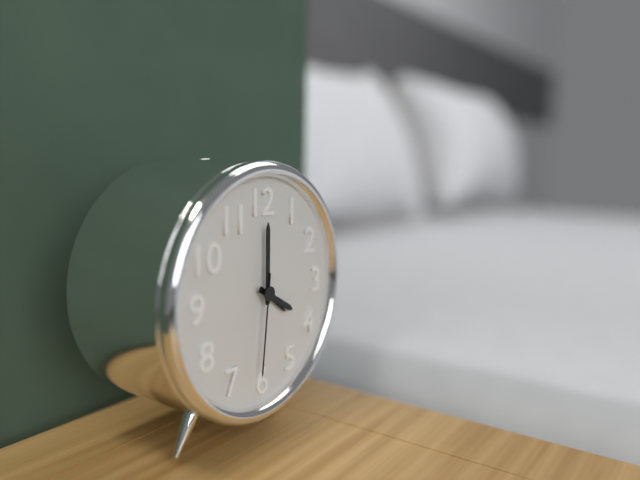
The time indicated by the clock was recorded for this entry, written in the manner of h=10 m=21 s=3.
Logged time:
h=4 m=0 s=31
